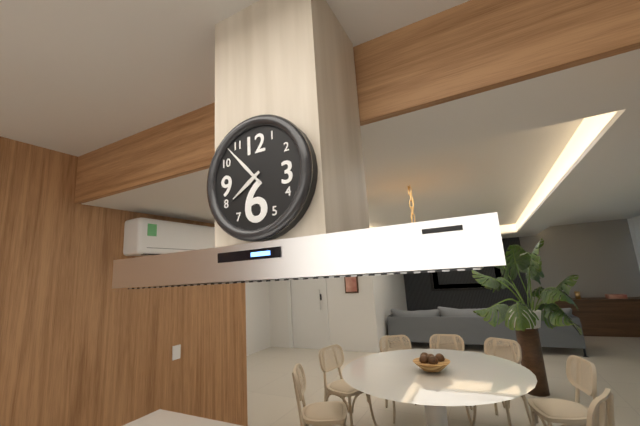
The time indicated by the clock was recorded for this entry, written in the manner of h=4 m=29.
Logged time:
h=7 m=53
